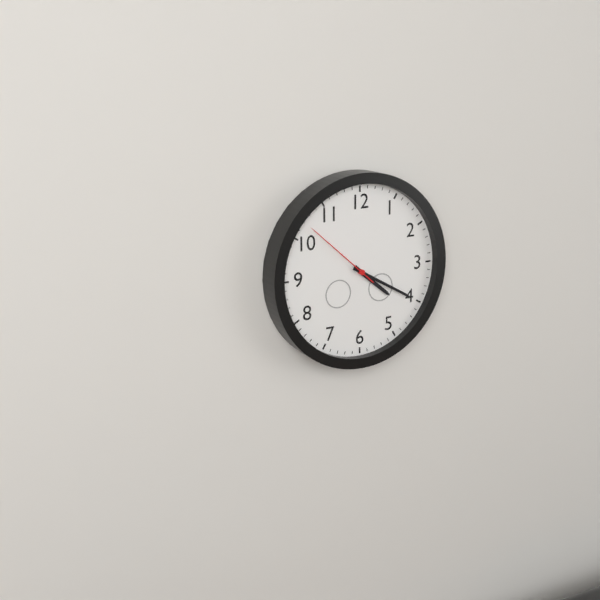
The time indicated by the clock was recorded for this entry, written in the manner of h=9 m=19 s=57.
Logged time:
h=4 m=20 s=52
